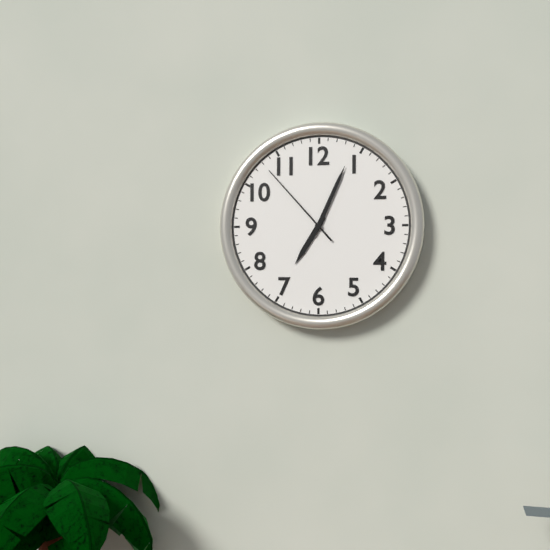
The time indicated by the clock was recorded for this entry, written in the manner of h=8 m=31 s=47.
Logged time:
h=7 m=4 s=53
